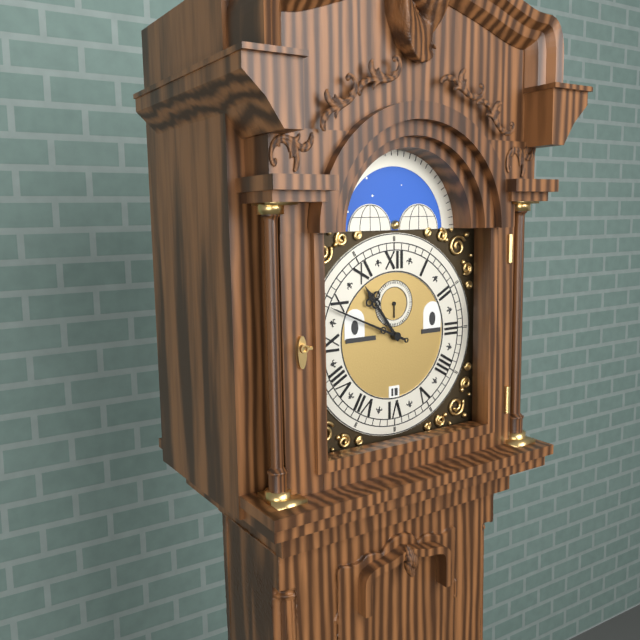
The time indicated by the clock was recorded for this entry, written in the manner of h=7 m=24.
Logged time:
h=10 m=49
